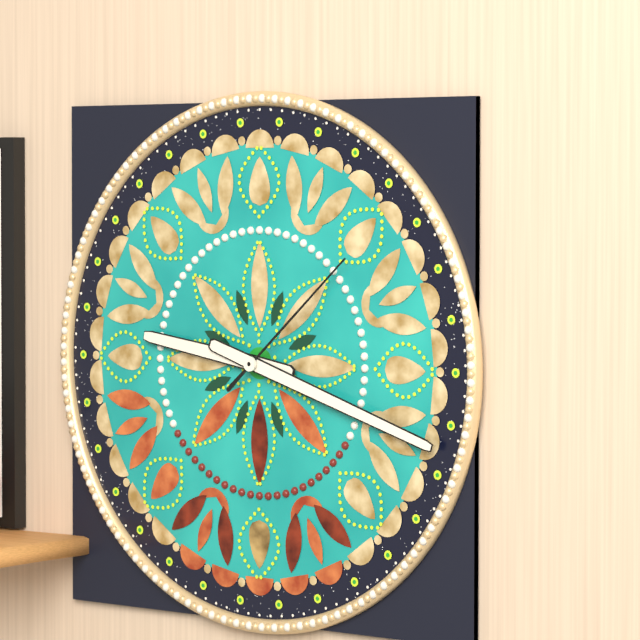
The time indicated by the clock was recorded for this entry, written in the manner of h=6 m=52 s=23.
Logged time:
h=9 m=18 s=8
